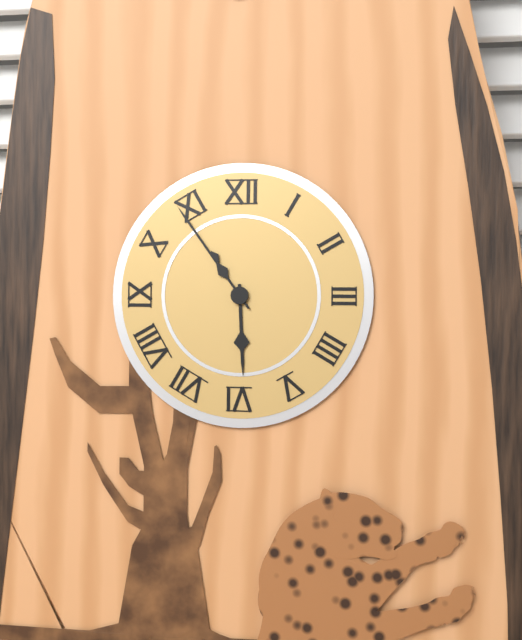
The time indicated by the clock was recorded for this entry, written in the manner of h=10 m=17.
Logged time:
h=5 m=54
